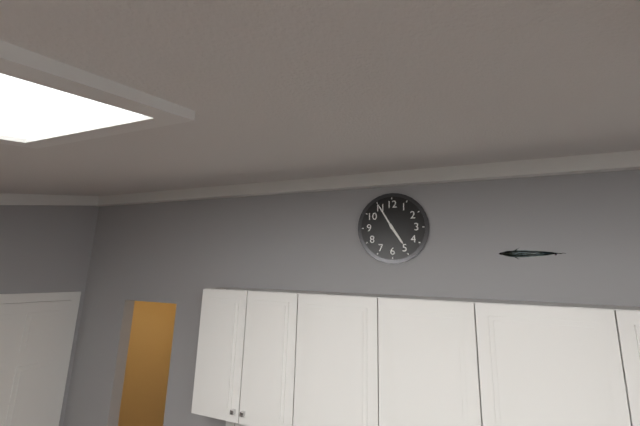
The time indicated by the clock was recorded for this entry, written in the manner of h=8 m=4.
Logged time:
h=4 m=55
